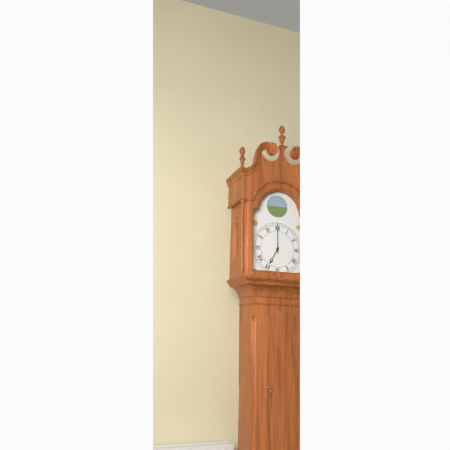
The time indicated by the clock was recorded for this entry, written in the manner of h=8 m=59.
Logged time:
h=7 m=0
